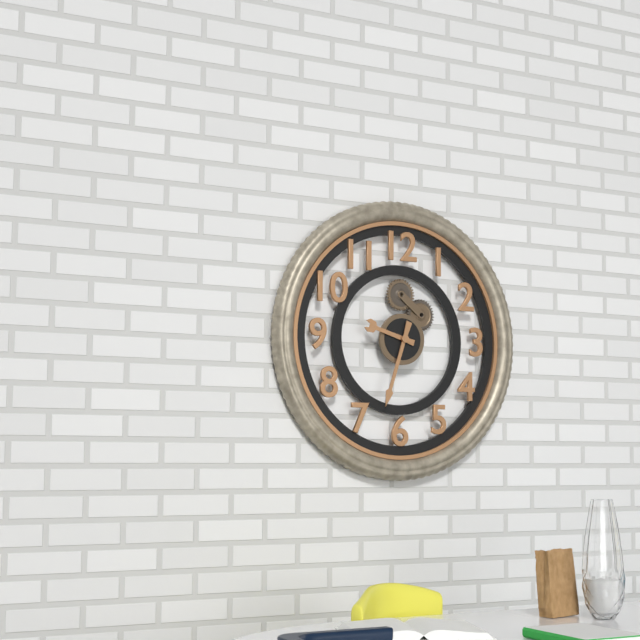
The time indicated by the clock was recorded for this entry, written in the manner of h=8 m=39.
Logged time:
h=9 m=33
